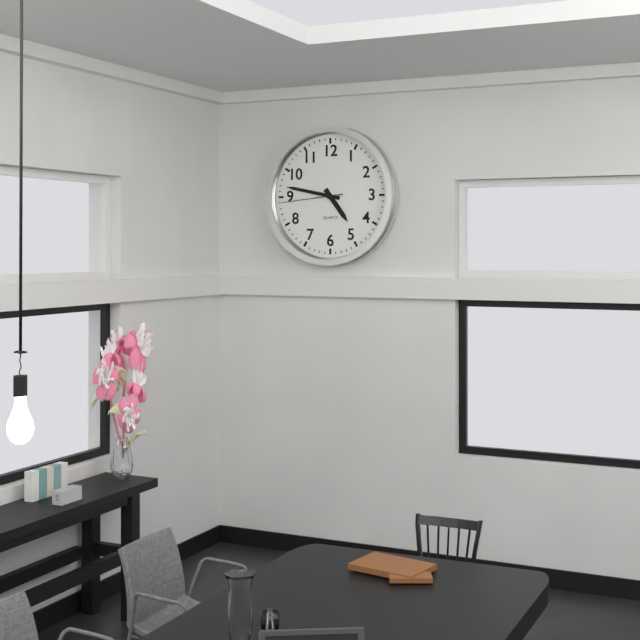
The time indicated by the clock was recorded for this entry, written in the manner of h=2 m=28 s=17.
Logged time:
h=4 m=47 s=44
